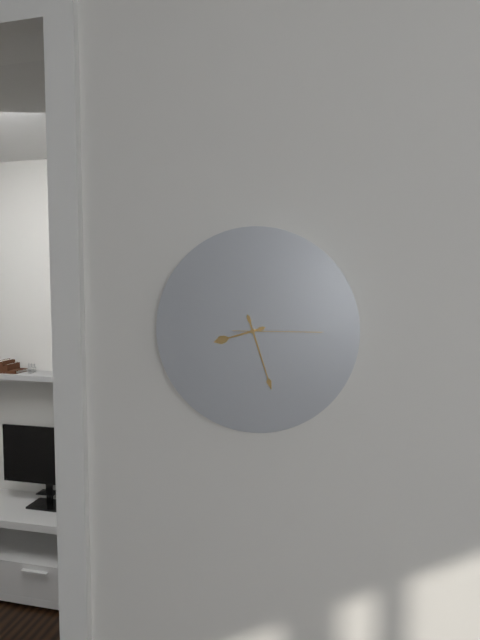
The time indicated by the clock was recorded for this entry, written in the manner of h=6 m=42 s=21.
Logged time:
h=8 m=27 s=15
